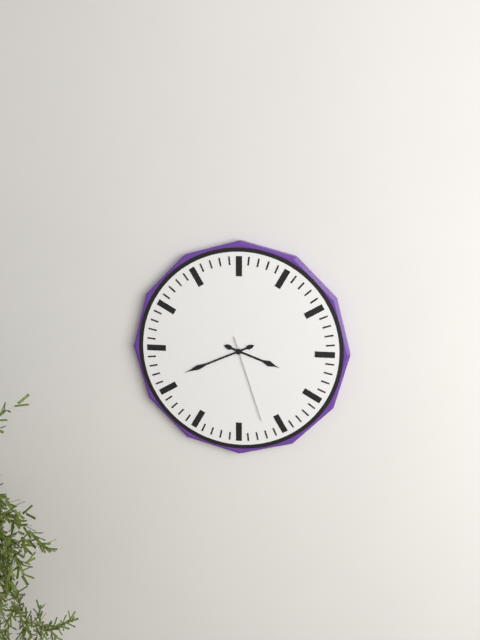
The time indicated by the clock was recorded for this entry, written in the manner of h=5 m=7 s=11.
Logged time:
h=3 m=41 s=27
